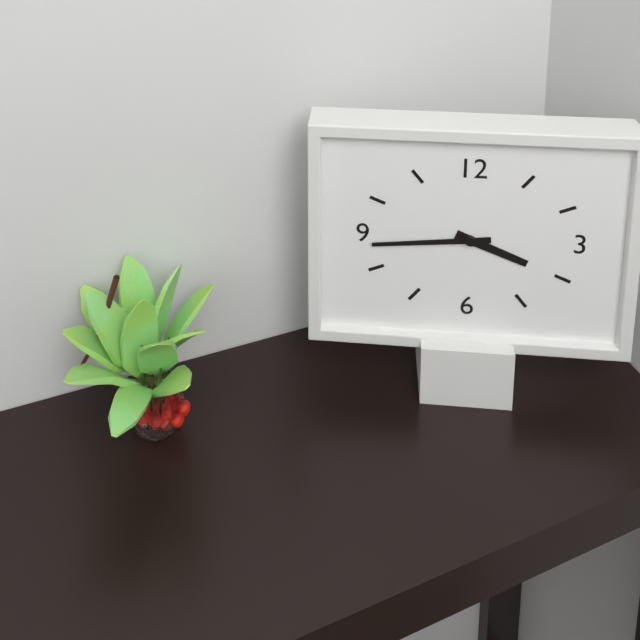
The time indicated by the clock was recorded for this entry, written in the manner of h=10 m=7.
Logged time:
h=3 m=44
